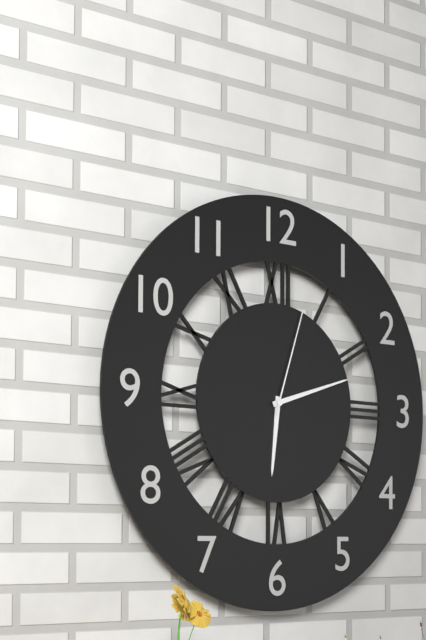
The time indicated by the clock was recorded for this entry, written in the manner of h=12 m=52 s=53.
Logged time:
h=6 m=12 s=3
